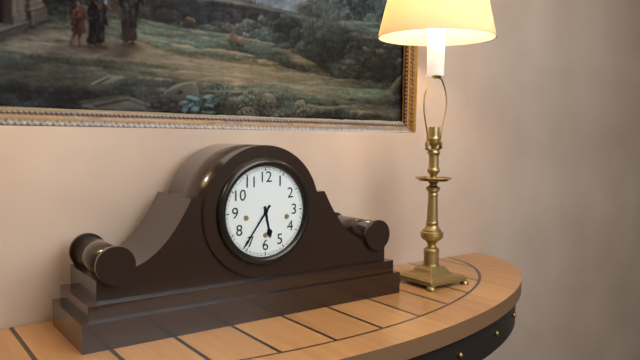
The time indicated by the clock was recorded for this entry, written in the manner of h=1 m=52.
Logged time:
h=5 m=36
